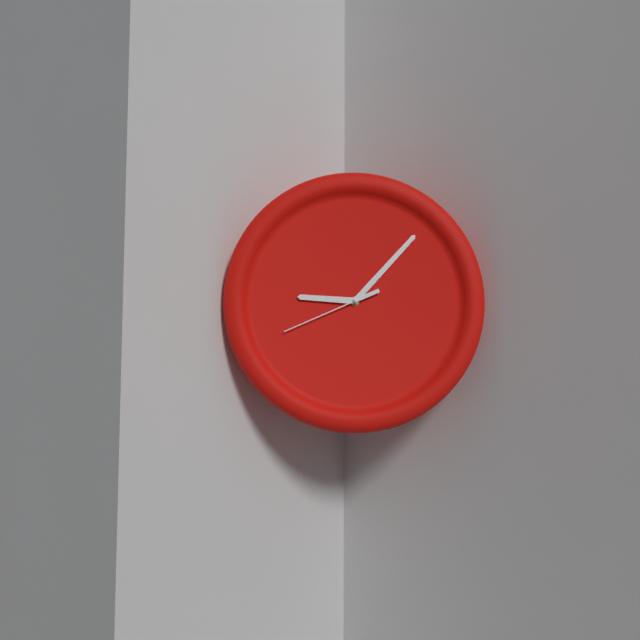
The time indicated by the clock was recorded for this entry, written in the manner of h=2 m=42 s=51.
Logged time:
h=9 m=7 s=41
